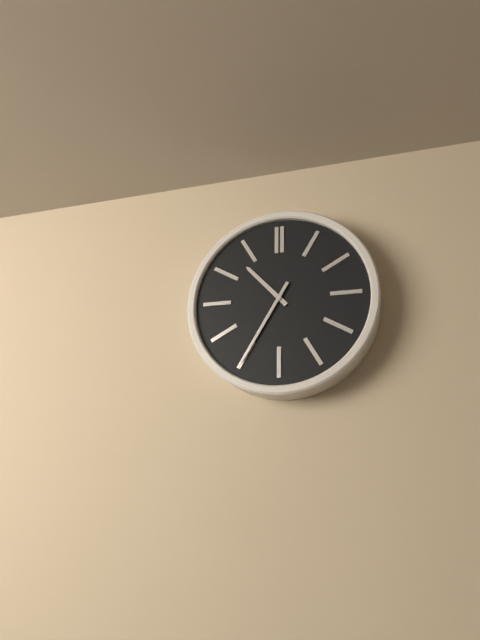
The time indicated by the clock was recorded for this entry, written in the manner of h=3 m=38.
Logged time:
h=10 m=35
